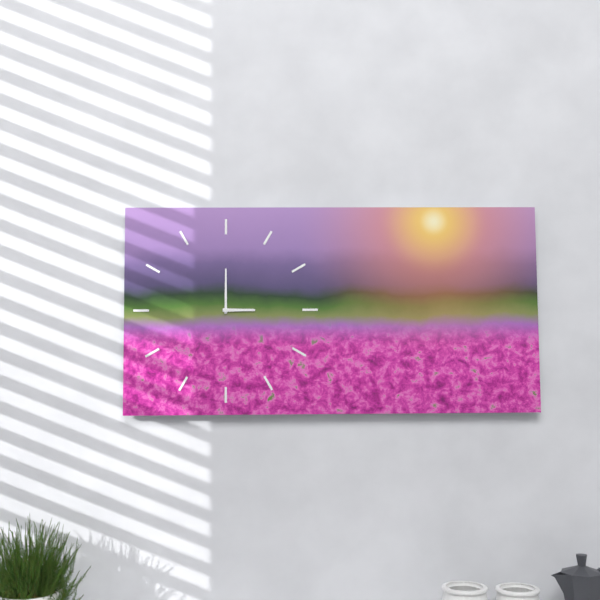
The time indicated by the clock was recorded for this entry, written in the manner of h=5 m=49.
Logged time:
h=3 m=0
